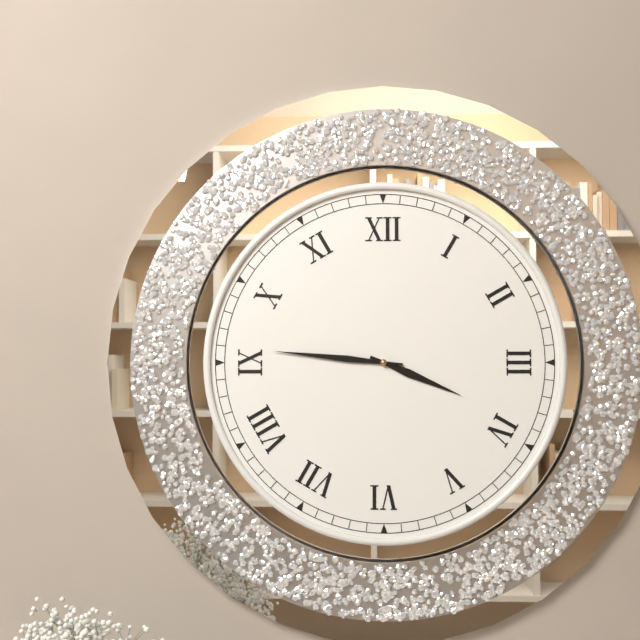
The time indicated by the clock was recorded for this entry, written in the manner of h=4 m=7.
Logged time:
h=3 m=46
